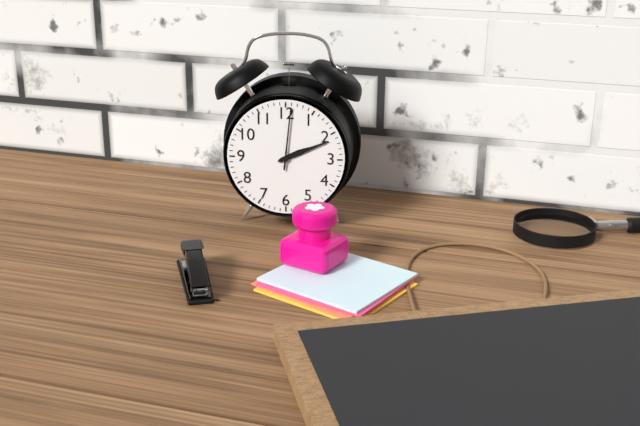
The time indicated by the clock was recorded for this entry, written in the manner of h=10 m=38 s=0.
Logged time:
h=2 m=11 s=1
